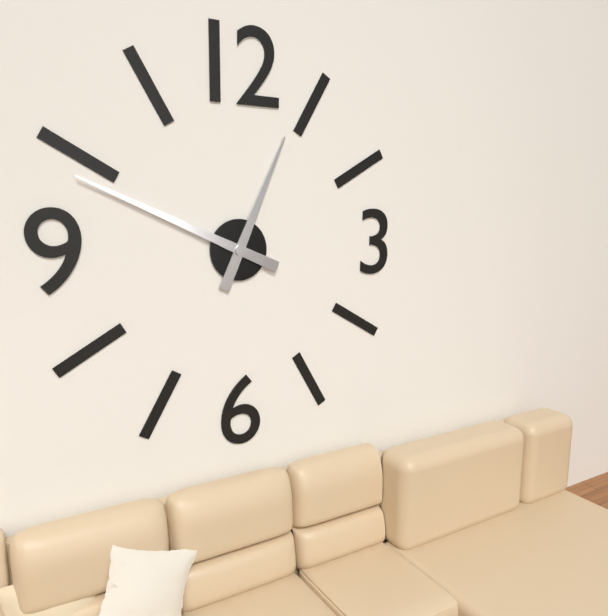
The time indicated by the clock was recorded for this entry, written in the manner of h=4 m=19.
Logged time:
h=12 m=49
